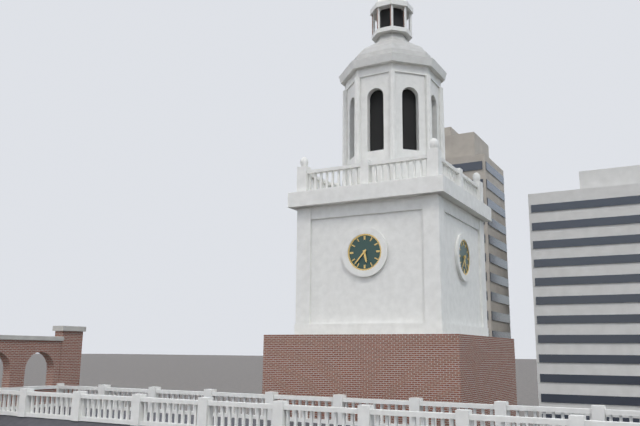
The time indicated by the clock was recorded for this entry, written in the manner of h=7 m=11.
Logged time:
h=5 m=37
